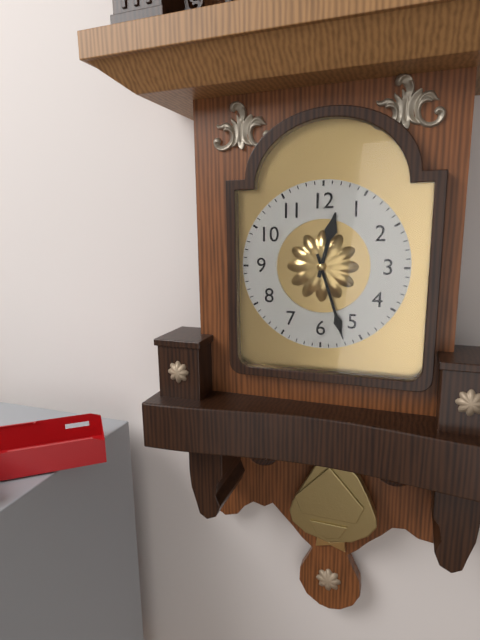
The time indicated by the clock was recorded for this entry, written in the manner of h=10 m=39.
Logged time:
h=12 m=27
